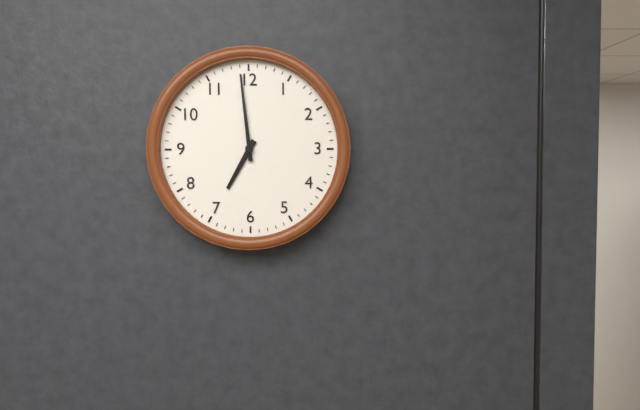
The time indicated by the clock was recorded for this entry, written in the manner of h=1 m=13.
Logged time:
h=6 m=59
